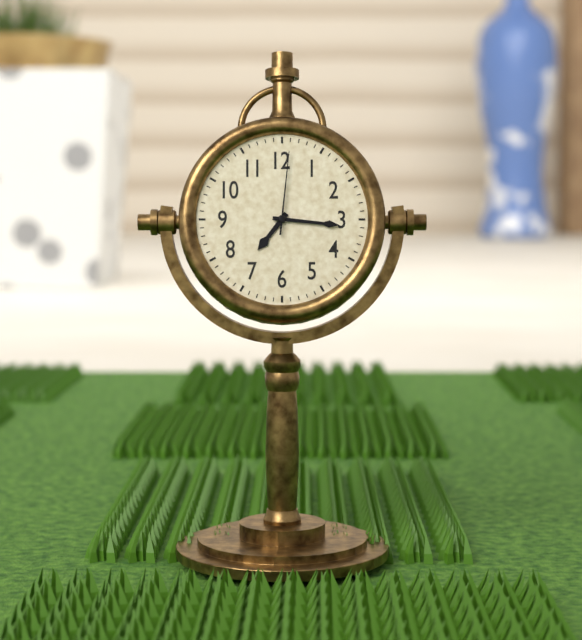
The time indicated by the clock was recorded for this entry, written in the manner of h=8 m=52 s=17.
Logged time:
h=7 m=16 s=1
